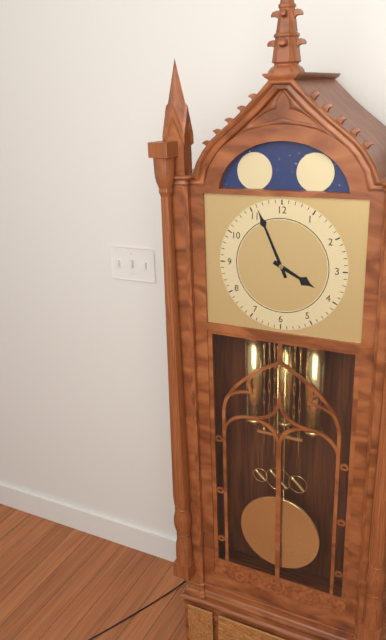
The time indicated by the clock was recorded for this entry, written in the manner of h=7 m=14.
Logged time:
h=3 m=56
